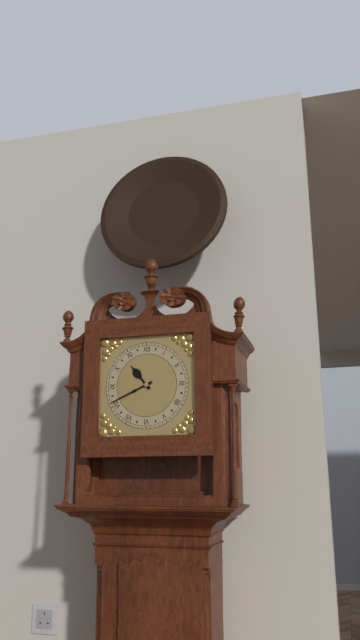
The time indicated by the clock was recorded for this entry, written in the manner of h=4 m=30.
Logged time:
h=10 m=41
